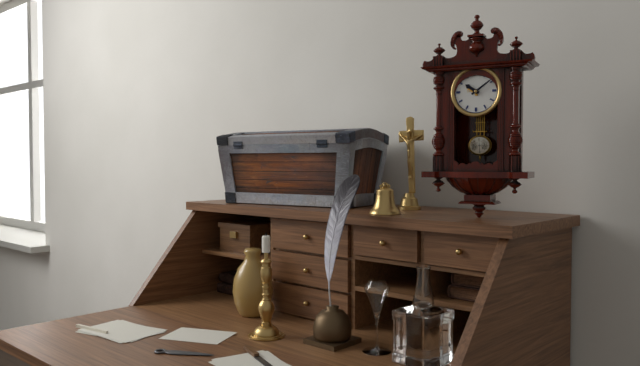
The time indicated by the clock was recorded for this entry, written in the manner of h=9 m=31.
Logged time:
h=10 m=9
